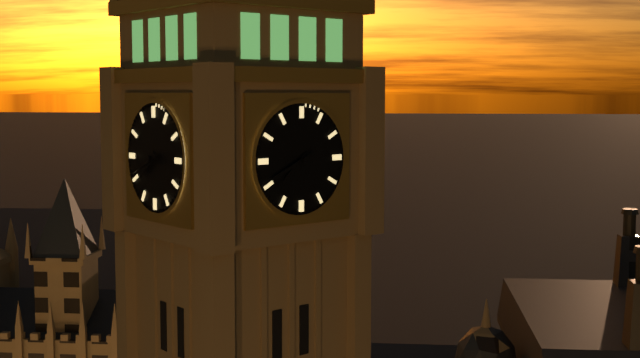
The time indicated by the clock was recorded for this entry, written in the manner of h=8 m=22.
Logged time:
h=7 m=41
